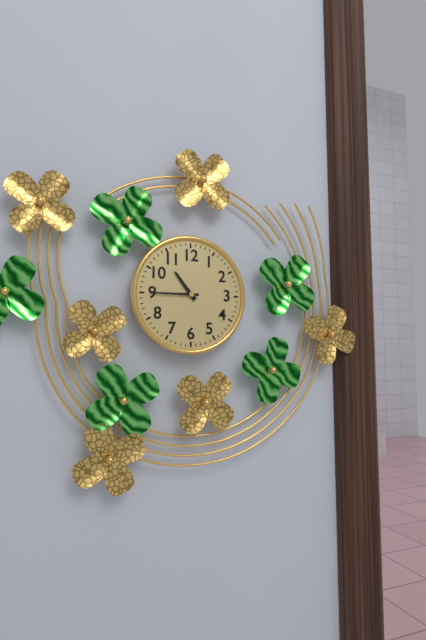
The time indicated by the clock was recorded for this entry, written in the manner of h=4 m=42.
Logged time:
h=10 m=45
